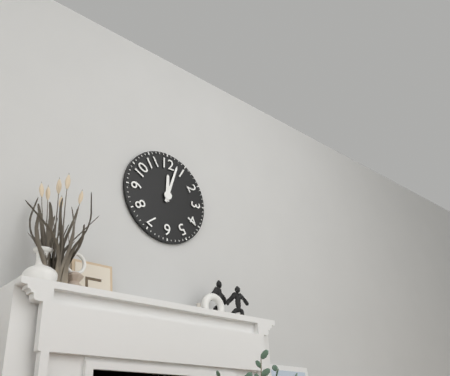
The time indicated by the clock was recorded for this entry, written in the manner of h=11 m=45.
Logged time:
h=12 m=3
